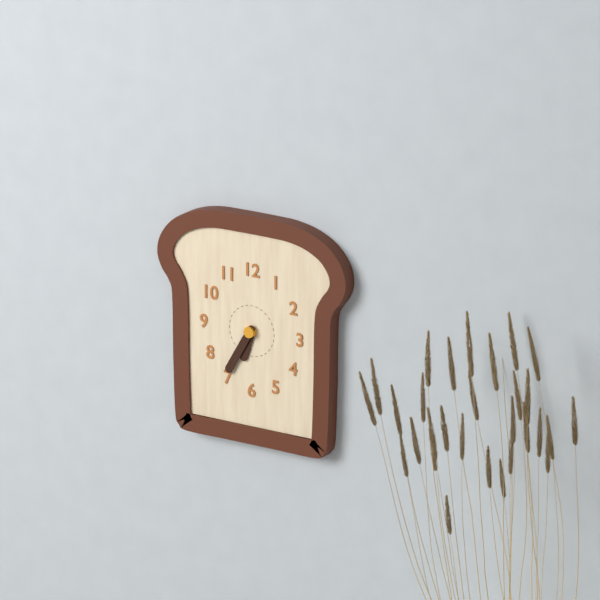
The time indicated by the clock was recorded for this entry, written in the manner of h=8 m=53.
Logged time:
h=6 m=35
